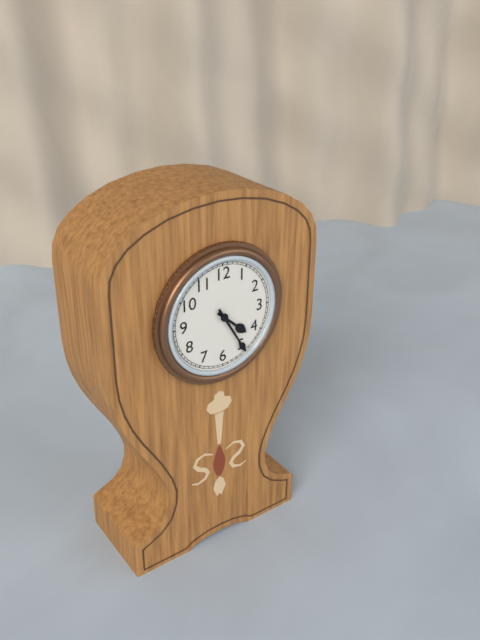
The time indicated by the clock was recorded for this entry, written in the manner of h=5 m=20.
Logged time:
h=4 m=25
